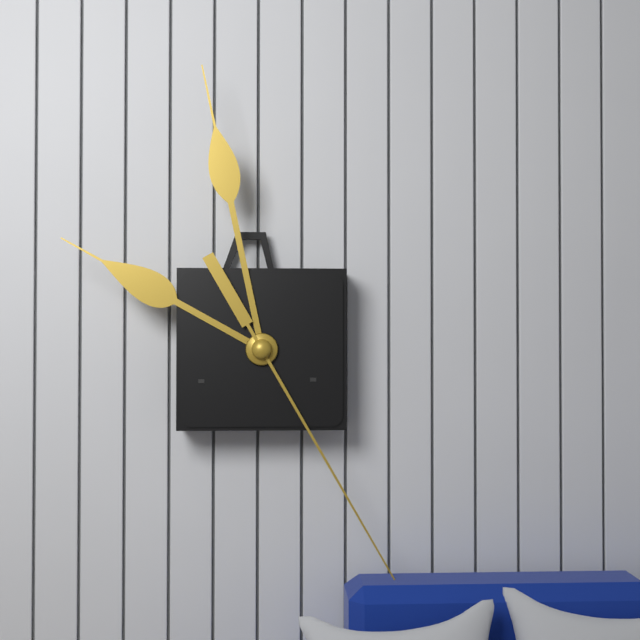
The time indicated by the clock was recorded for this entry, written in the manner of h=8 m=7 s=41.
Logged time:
h=9 m=58 s=25
